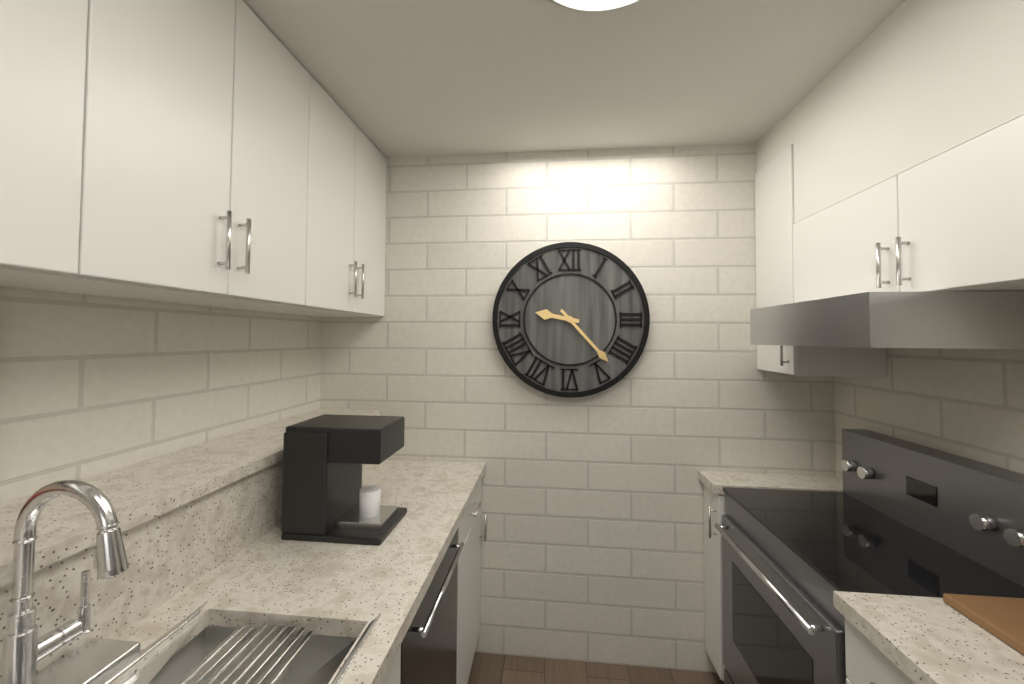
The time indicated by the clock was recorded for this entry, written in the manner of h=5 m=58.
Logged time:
h=9 m=23
